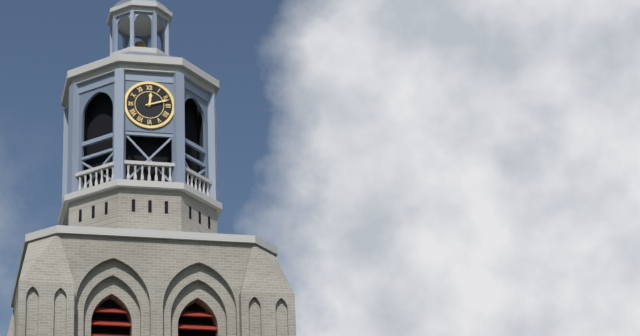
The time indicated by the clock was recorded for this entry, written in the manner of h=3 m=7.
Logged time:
h=12 m=12
